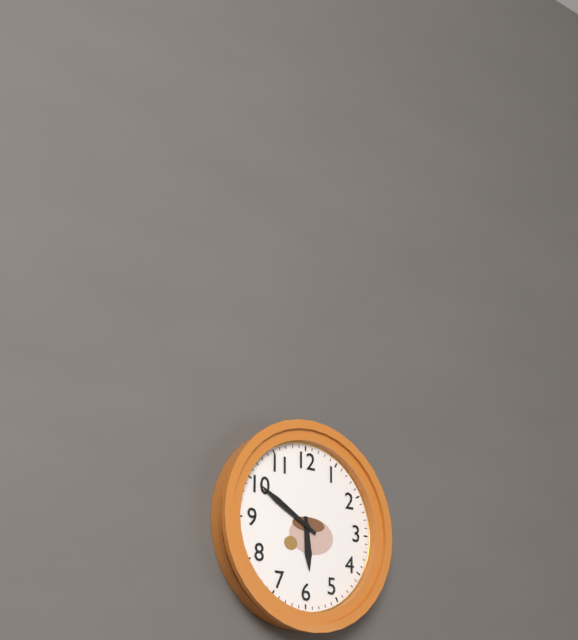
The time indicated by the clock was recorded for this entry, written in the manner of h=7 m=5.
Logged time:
h=5 m=50
